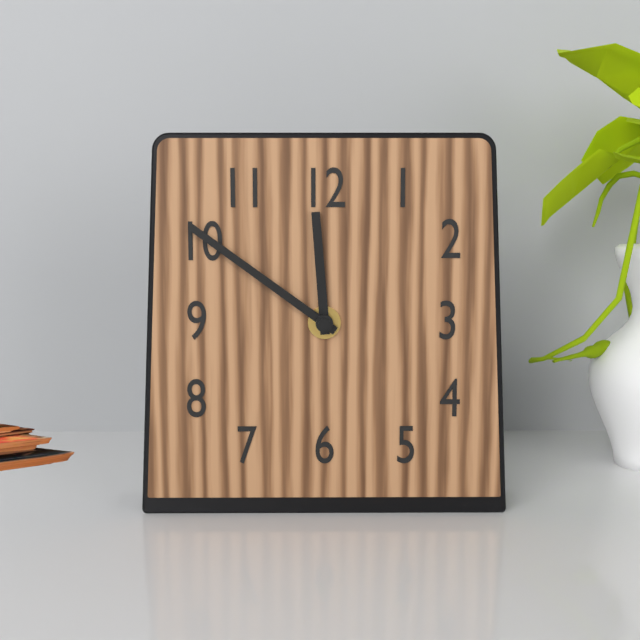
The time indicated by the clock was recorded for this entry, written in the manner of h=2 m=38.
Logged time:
h=11 m=51
